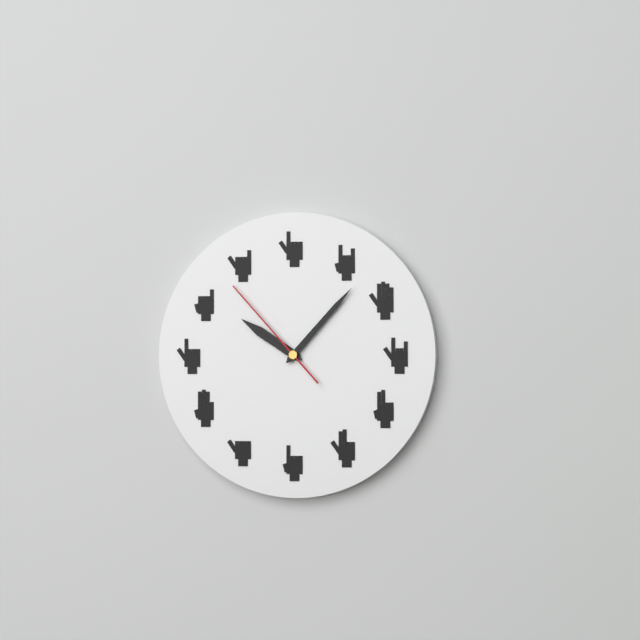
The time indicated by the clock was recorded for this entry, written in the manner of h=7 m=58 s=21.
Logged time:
h=10 m=7 s=53
